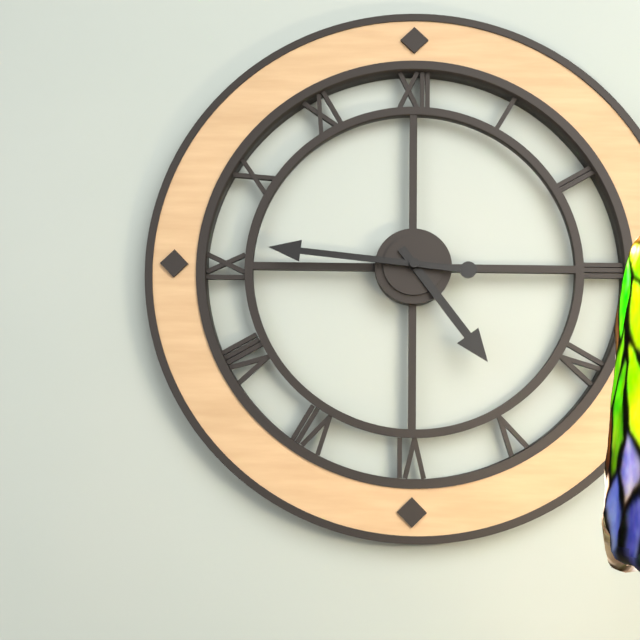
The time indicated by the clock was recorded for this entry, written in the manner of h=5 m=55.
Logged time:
h=4 m=46
